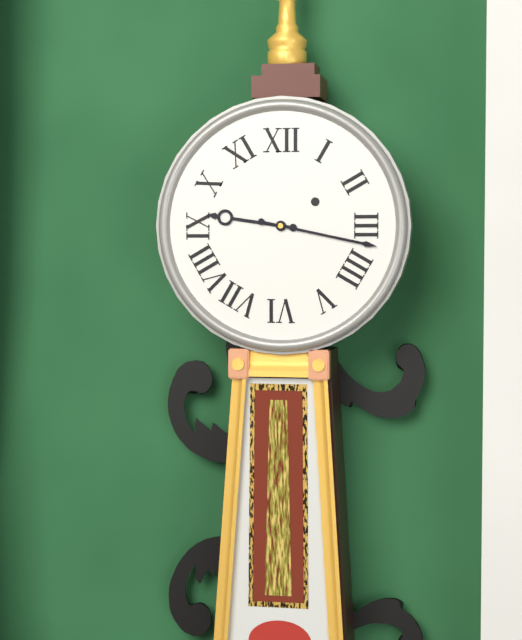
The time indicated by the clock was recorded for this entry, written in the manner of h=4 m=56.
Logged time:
h=9 m=17
